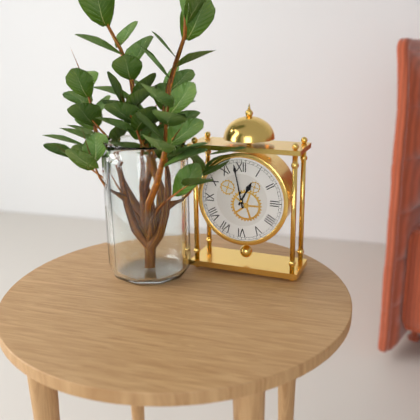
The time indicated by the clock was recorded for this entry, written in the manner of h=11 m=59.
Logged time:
h=12 m=58
